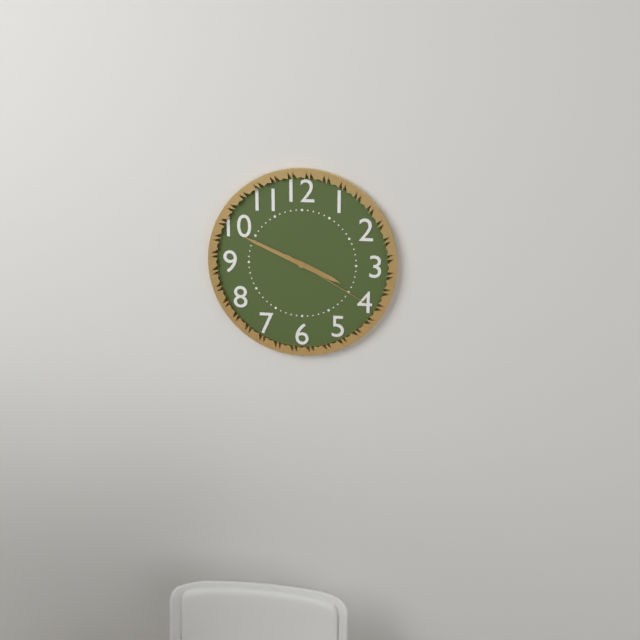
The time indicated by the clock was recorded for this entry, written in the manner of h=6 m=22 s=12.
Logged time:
h=3 m=49 s=20
